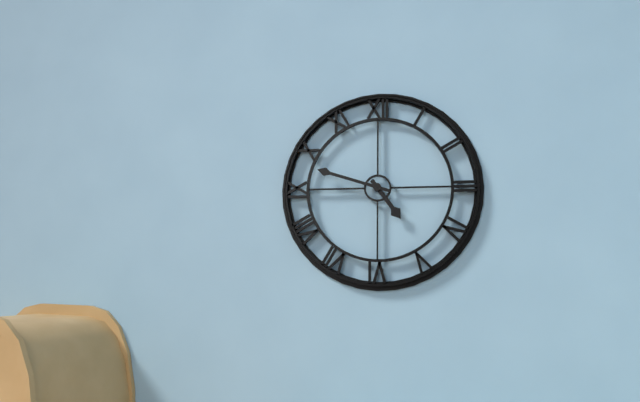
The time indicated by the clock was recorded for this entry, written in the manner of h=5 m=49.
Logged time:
h=4 m=48
